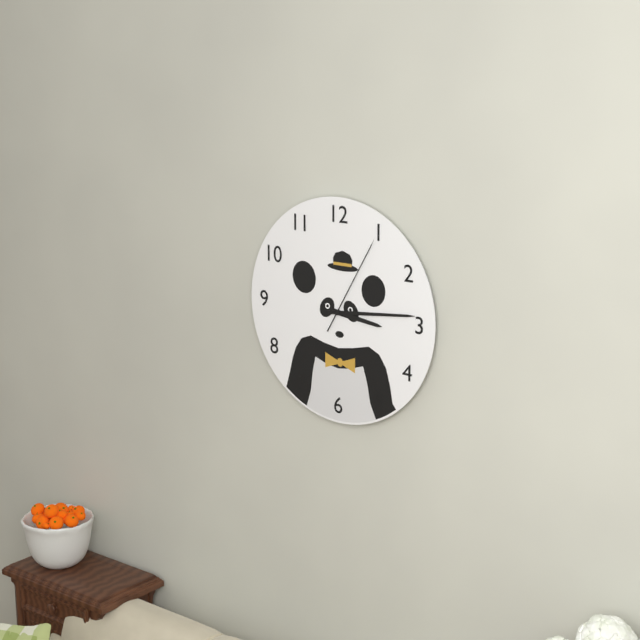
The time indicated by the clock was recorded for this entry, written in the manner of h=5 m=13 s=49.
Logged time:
h=3 m=14 s=5
